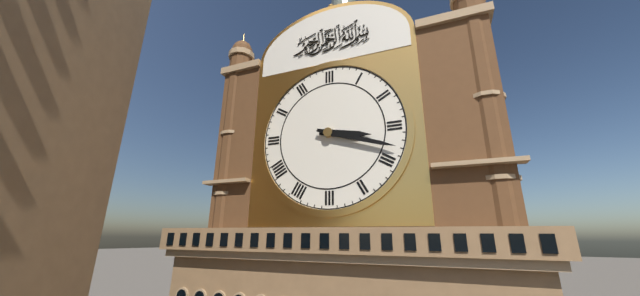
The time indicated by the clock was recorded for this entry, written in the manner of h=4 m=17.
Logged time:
h=3 m=18
